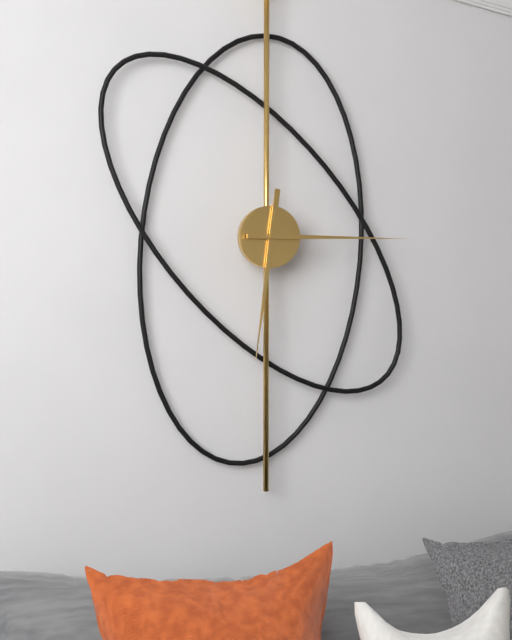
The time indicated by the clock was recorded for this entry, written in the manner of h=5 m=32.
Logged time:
h=6 m=15
